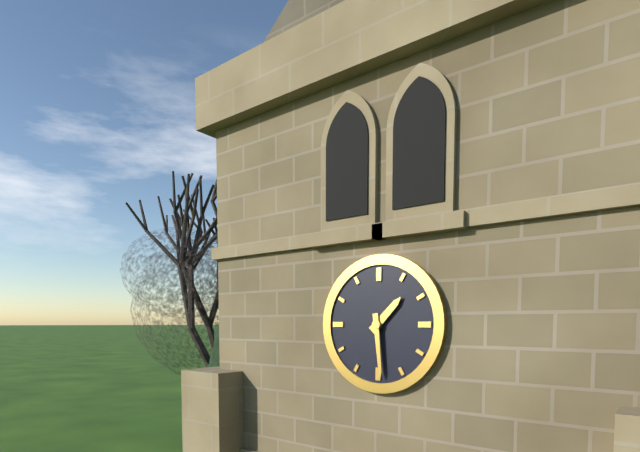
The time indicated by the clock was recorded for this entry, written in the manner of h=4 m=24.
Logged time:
h=1 m=29
